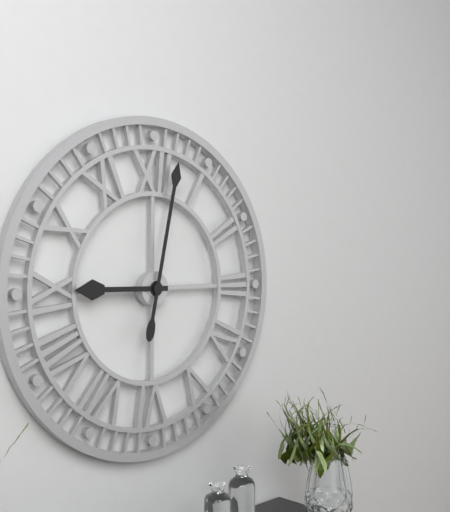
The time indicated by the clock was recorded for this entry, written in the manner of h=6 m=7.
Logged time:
h=9 m=2
